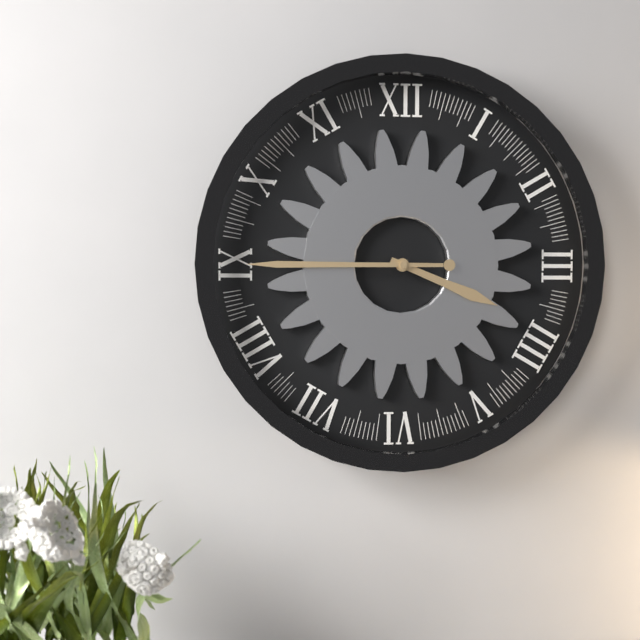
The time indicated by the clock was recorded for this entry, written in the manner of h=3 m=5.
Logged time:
h=3 m=45
